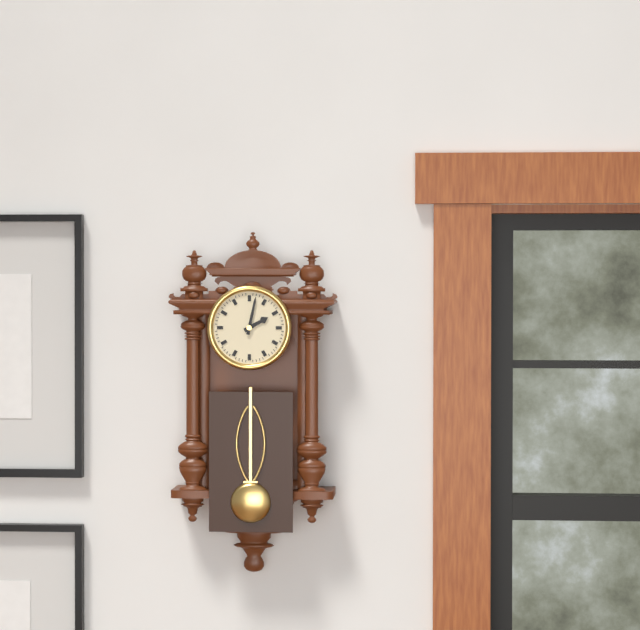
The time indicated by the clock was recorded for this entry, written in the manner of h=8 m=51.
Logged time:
h=2 m=2
